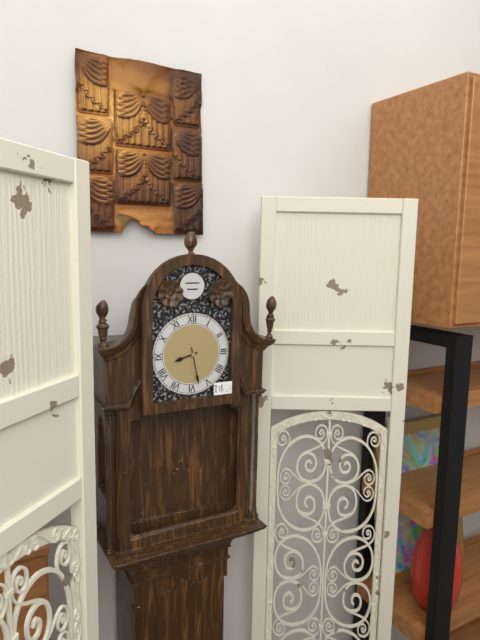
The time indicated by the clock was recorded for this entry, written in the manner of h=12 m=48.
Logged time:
h=8 m=28
